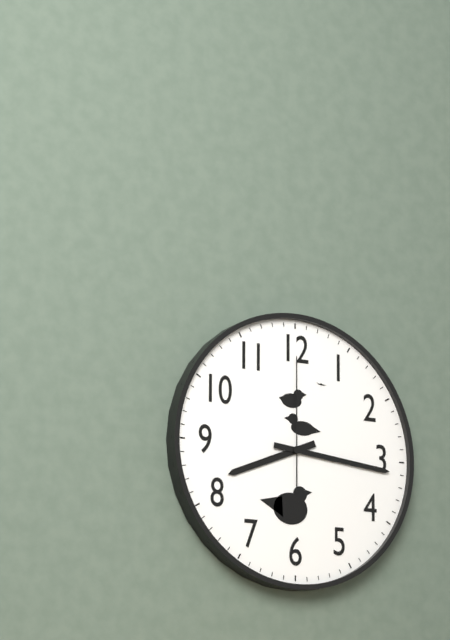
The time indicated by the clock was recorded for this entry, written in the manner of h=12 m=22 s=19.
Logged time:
h=8 m=16 s=0
